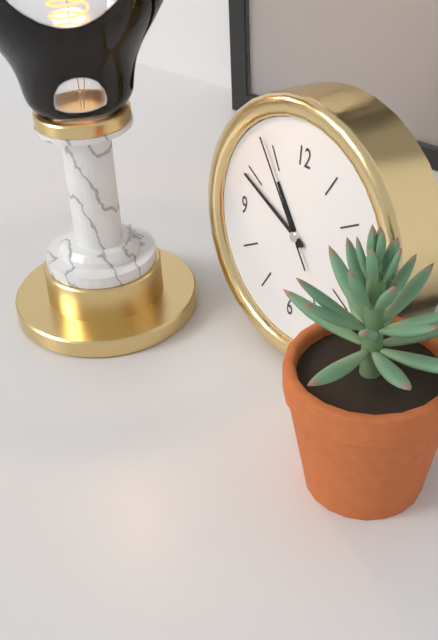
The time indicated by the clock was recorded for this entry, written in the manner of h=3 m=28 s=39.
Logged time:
h=10 m=49 s=54
